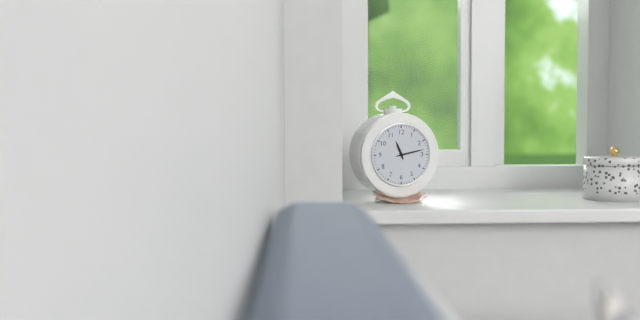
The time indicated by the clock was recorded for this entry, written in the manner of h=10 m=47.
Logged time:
h=11 m=13
